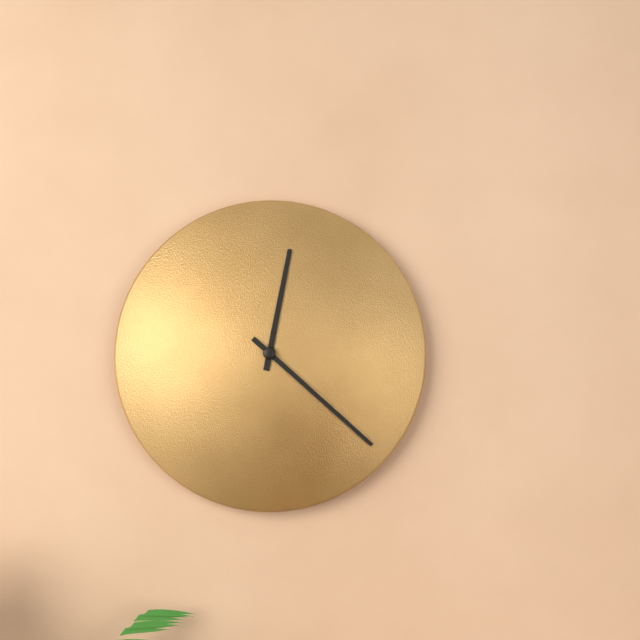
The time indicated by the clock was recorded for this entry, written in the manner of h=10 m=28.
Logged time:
h=12 m=22
